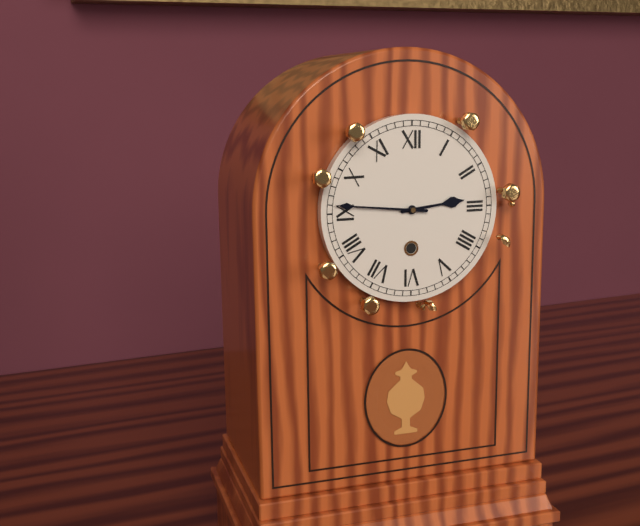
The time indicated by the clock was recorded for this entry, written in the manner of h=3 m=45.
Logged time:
h=2 m=46
